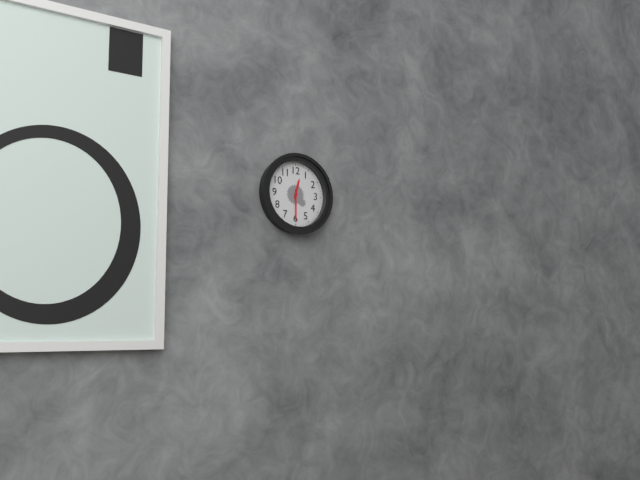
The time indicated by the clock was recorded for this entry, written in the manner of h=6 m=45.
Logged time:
h=12 m=30
